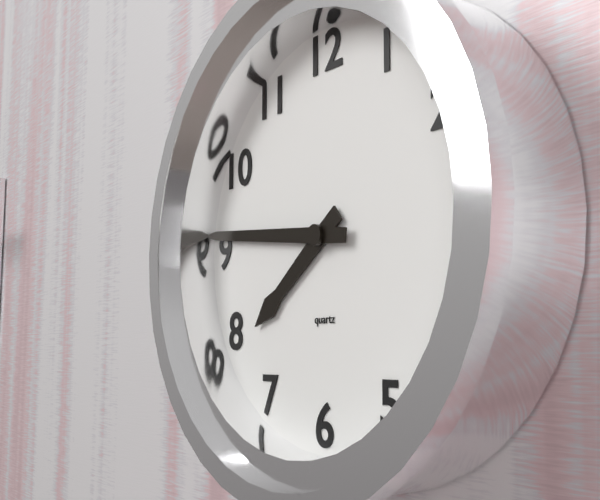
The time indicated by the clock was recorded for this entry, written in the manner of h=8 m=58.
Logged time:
h=7 m=46
